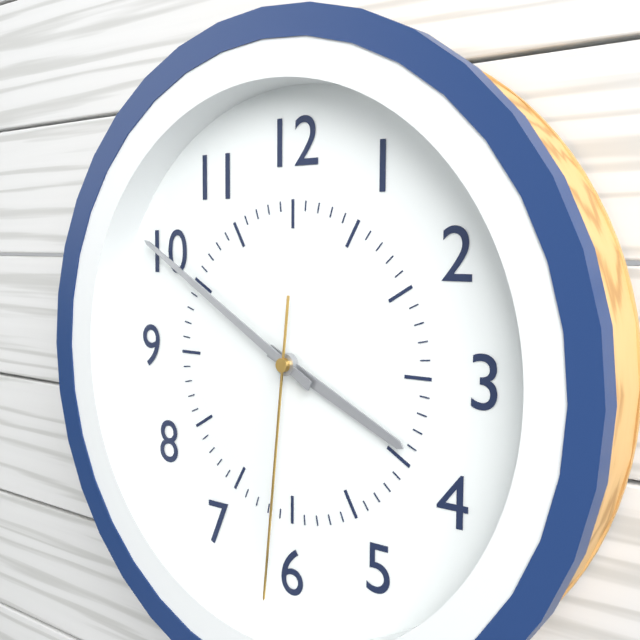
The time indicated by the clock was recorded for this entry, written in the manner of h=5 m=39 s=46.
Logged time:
h=3 m=50 s=31
